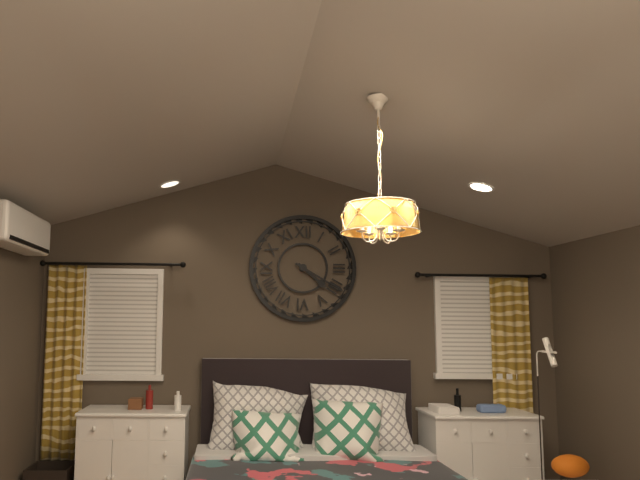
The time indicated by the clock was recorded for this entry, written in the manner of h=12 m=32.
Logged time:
h=4 m=20
